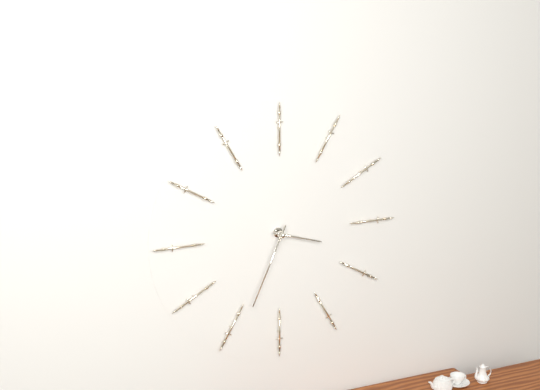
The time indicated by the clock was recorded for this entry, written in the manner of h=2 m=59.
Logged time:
h=3 m=34
